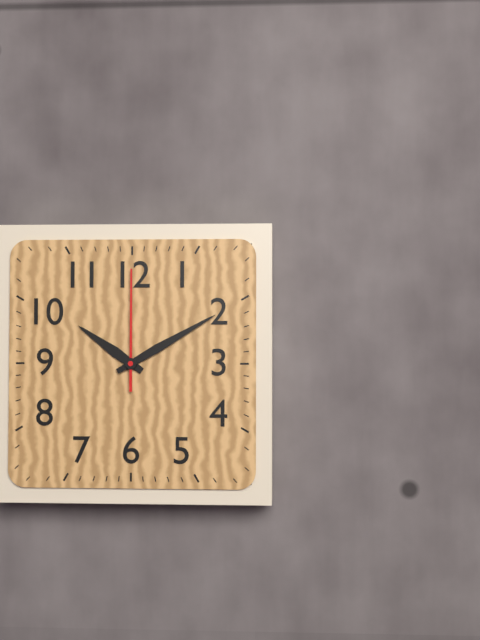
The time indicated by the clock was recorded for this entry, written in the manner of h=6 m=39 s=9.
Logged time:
h=10 m=10 s=0
